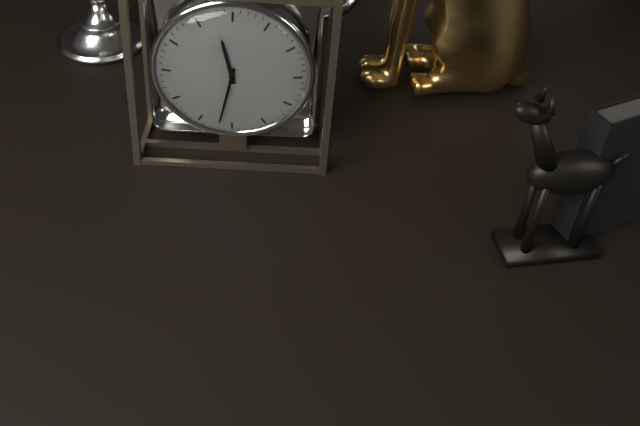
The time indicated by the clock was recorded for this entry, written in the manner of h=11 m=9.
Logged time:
h=11 m=32
